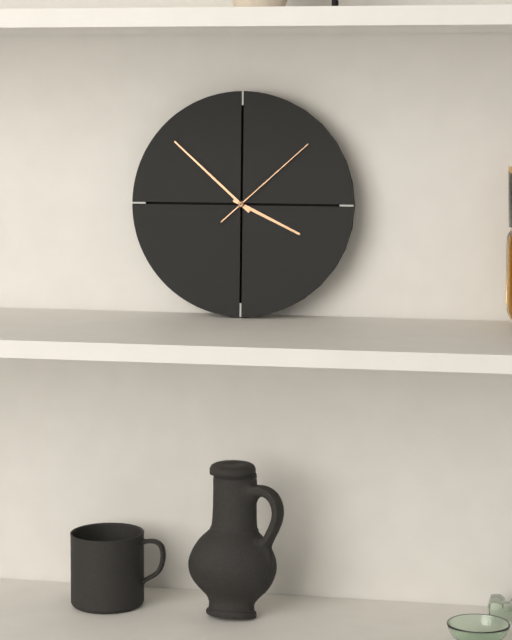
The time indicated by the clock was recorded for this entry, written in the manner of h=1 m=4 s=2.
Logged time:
h=3 m=52 s=8
